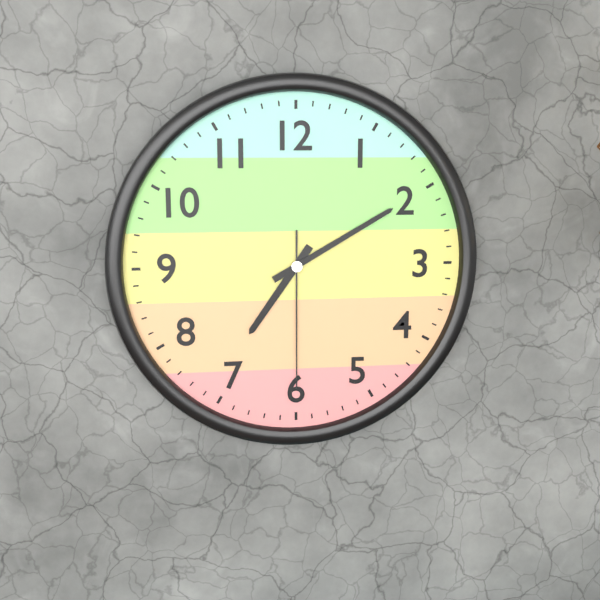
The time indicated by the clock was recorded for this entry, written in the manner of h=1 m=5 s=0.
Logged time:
h=7 m=10 s=30
